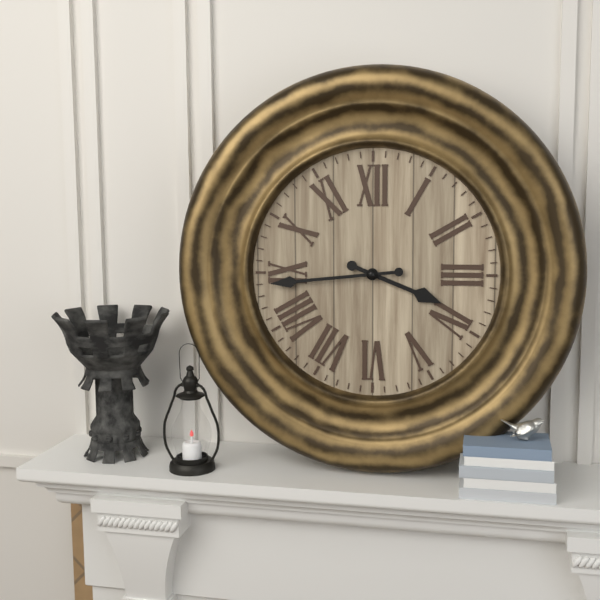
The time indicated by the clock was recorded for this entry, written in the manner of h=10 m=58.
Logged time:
h=3 m=44
